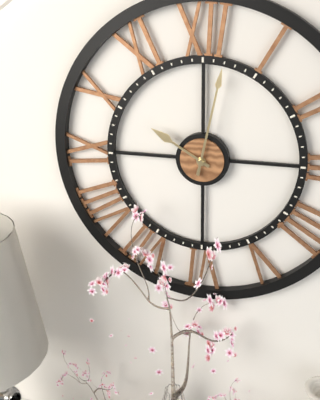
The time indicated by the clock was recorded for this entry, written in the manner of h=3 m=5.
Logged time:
h=10 m=2
